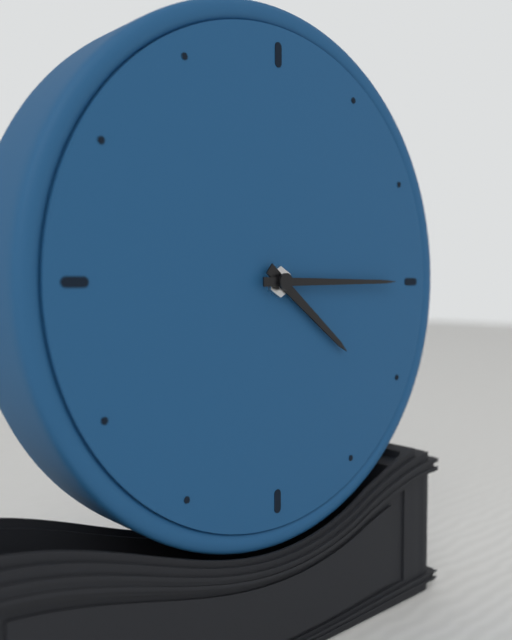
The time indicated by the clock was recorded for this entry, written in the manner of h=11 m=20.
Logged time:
h=4 m=15
